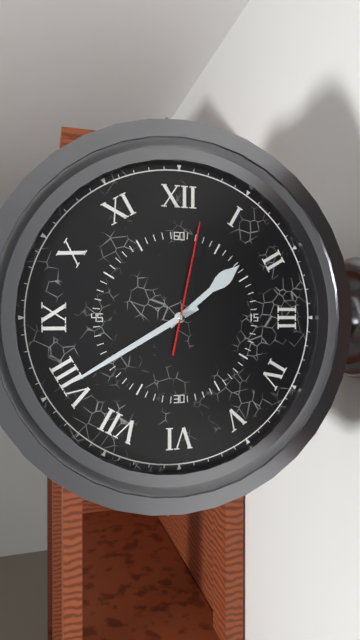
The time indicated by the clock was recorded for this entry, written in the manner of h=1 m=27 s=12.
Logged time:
h=1 m=40 s=2
